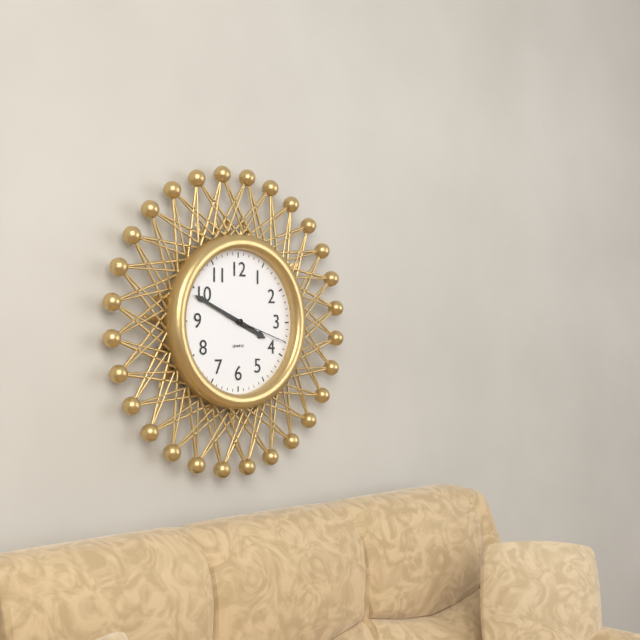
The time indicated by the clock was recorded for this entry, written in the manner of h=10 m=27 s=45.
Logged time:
h=3 m=49 s=18
